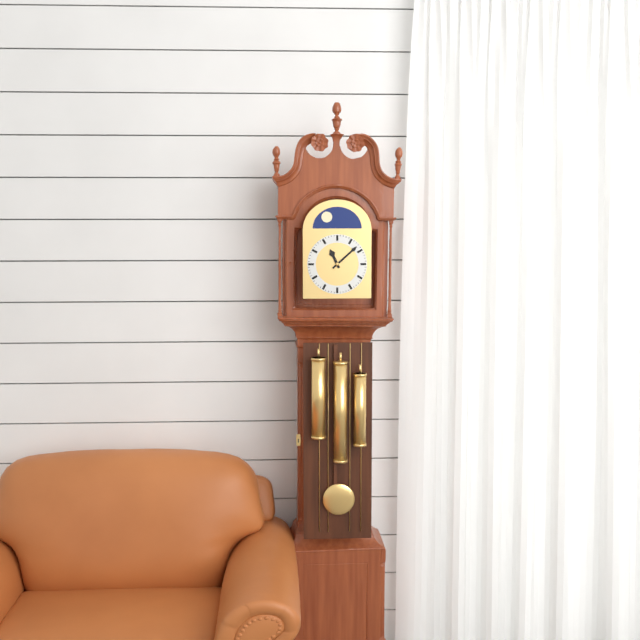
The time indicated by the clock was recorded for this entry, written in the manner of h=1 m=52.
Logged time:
h=11 m=8
